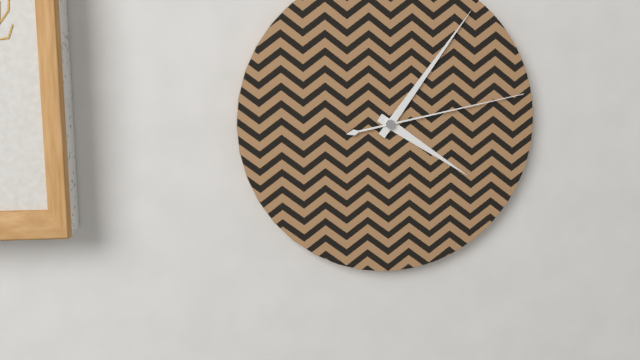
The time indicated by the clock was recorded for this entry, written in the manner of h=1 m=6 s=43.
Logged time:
h=4 m=6 s=13
